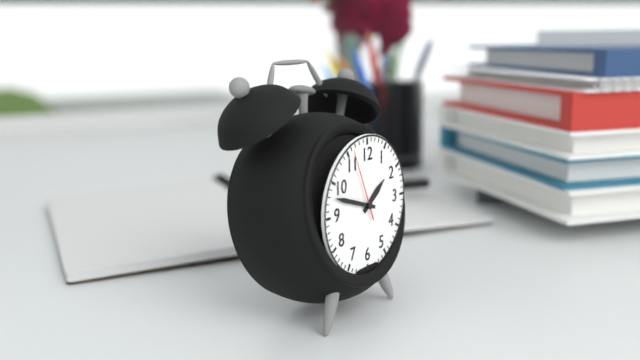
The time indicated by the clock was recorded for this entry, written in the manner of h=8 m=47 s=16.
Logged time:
h=1 m=48 s=56
